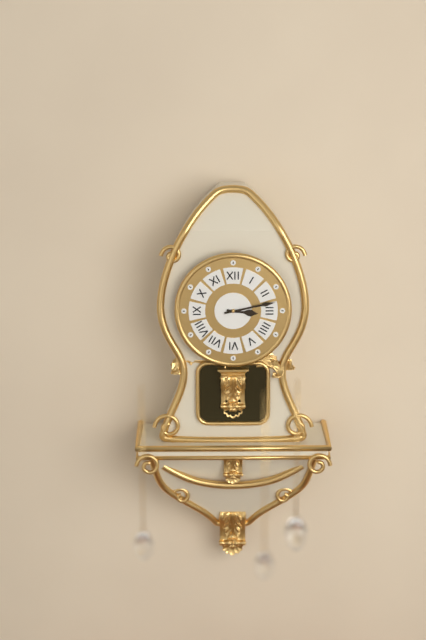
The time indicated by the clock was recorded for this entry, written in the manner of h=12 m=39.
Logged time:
h=3 m=13
